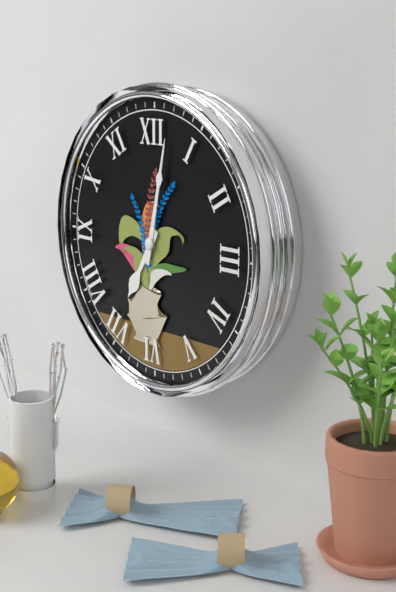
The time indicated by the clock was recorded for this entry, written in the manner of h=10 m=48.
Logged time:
h=7 m=2
